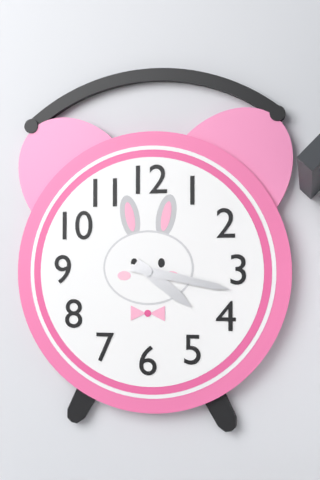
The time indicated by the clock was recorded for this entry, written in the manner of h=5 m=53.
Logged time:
h=4 m=17
